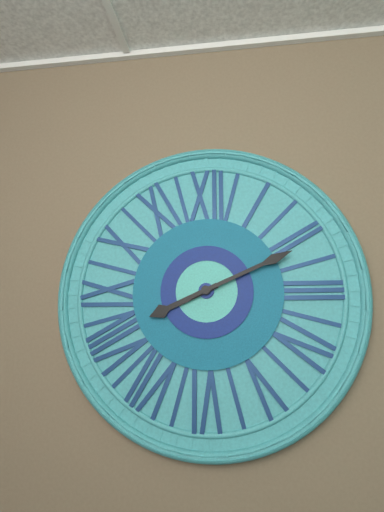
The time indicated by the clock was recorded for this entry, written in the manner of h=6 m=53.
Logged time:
h=8 m=11
